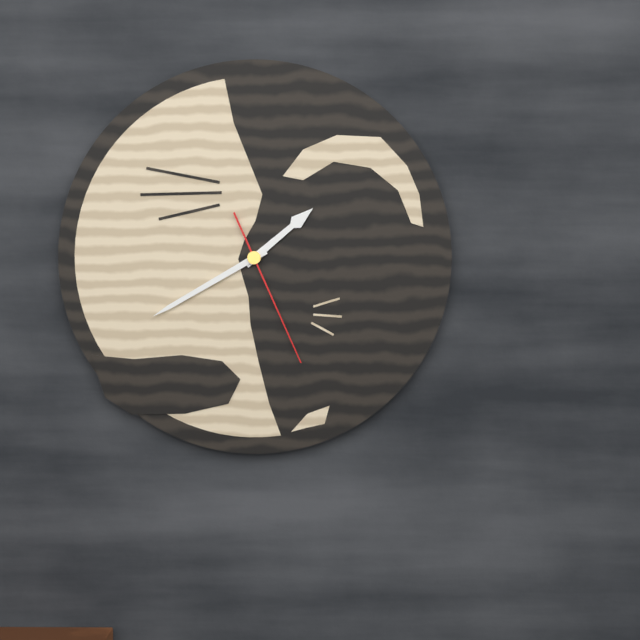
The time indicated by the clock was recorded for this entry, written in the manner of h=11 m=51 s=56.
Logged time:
h=1 m=40 s=26
